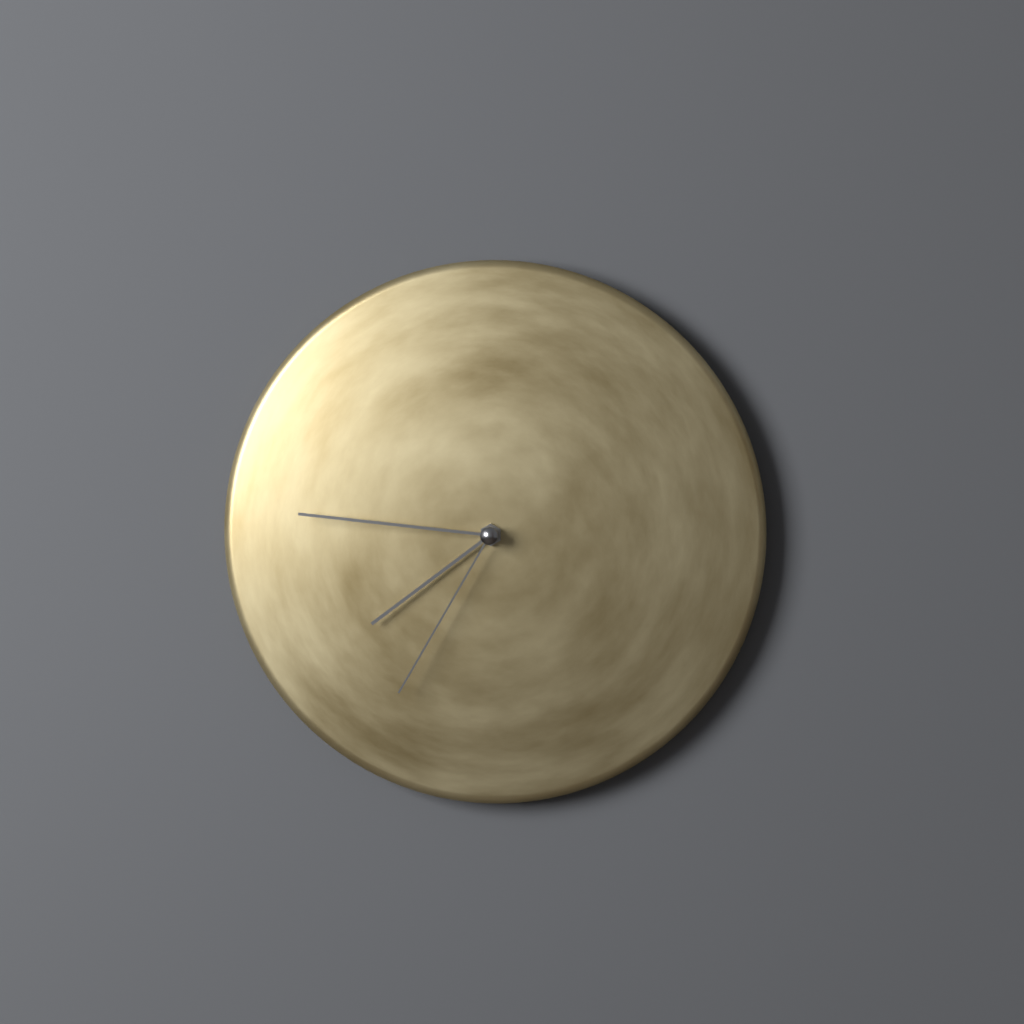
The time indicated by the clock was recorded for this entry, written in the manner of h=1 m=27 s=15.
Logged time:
h=7 m=46 s=35
